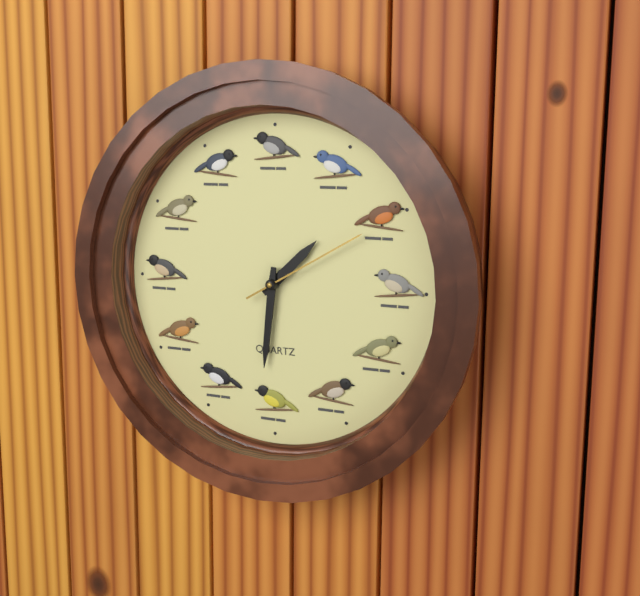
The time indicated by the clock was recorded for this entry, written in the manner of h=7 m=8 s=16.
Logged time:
h=1 m=31 s=10
